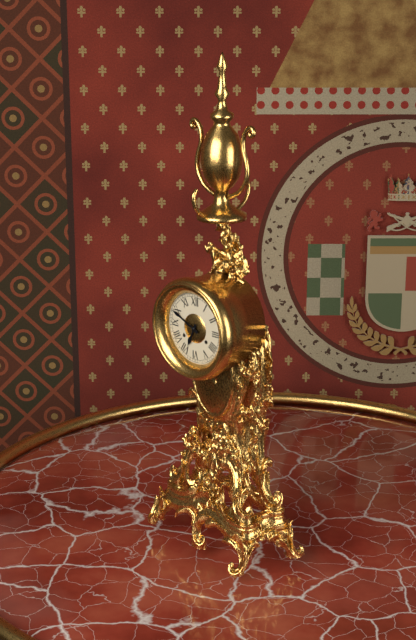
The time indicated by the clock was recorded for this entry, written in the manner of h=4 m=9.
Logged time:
h=6 m=49
